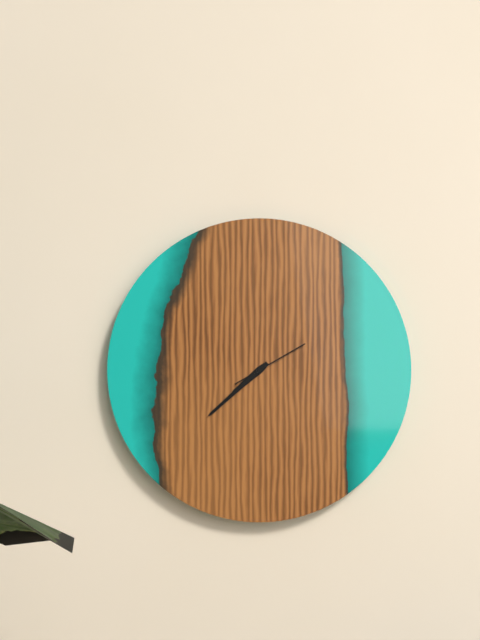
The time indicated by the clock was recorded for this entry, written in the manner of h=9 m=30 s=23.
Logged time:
h=7 m=38 s=10
